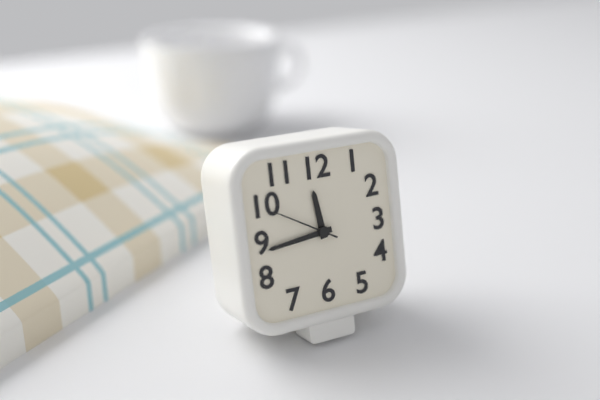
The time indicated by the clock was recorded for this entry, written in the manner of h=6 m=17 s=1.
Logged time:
h=11 m=44 s=50
